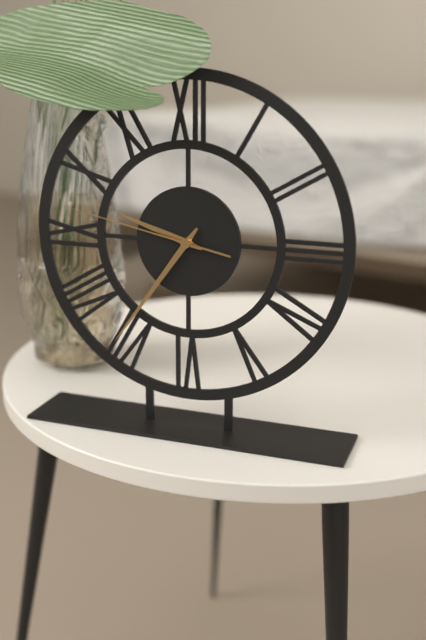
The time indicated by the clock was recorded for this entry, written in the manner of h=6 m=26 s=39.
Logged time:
h=9 m=36 s=47
